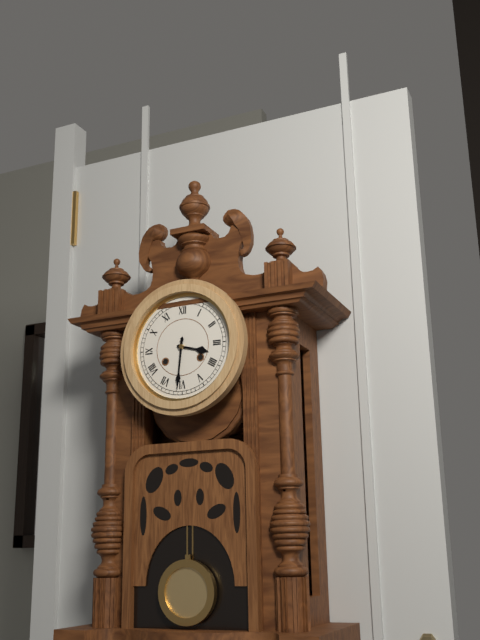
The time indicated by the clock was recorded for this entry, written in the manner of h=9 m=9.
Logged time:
h=3 m=31
